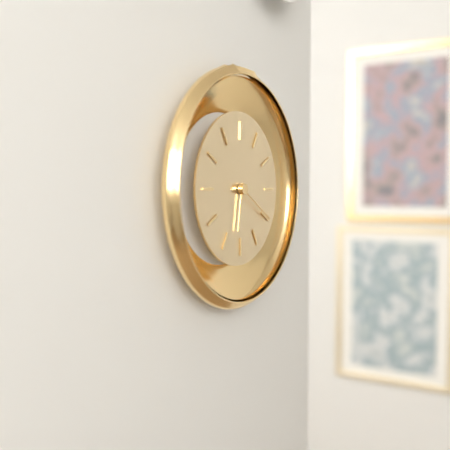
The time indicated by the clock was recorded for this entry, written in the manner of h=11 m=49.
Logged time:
h=6 m=20
